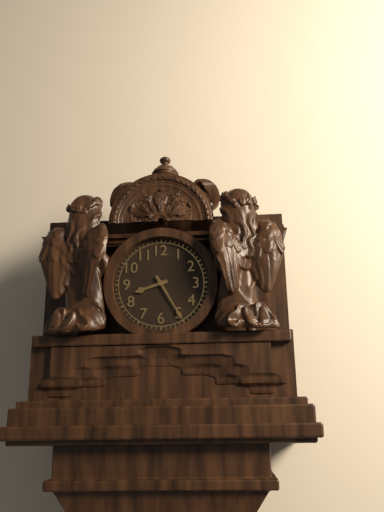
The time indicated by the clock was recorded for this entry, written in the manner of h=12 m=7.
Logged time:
h=8 m=25
